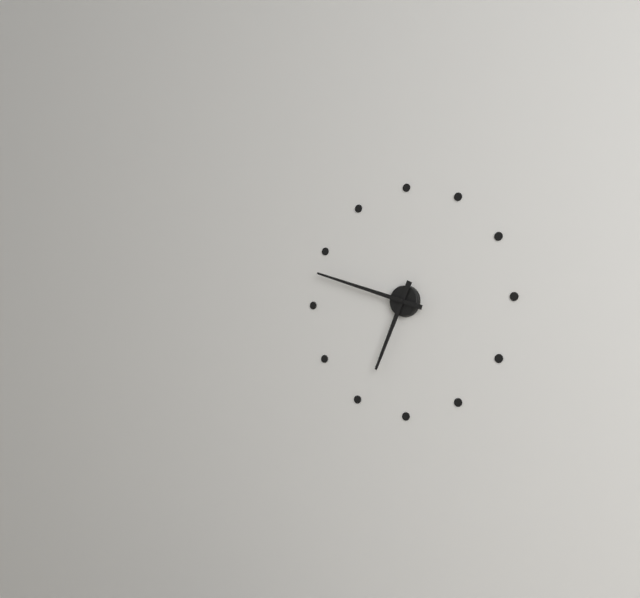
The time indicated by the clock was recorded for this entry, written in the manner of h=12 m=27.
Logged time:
h=6 m=48
